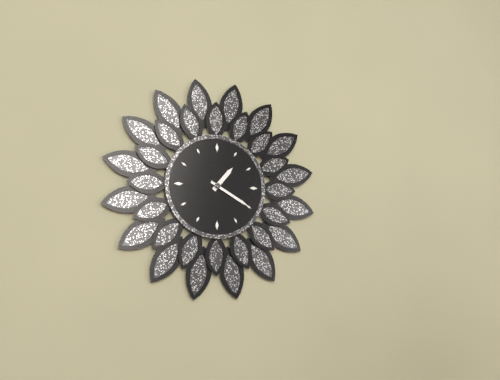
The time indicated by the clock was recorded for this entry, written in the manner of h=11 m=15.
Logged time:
h=1 m=20
